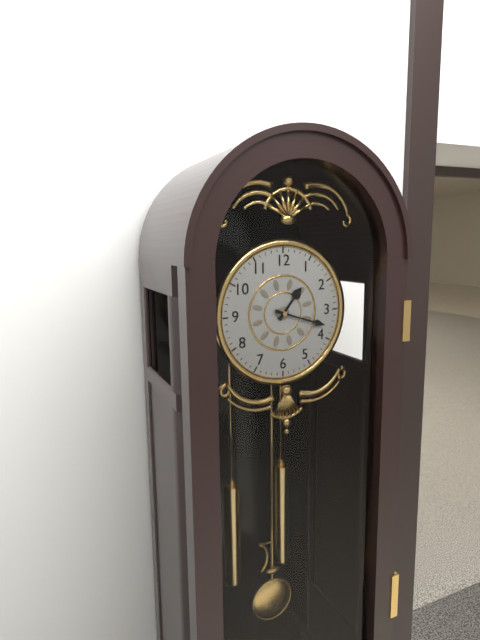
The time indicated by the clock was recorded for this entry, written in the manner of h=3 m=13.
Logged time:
h=1 m=18
